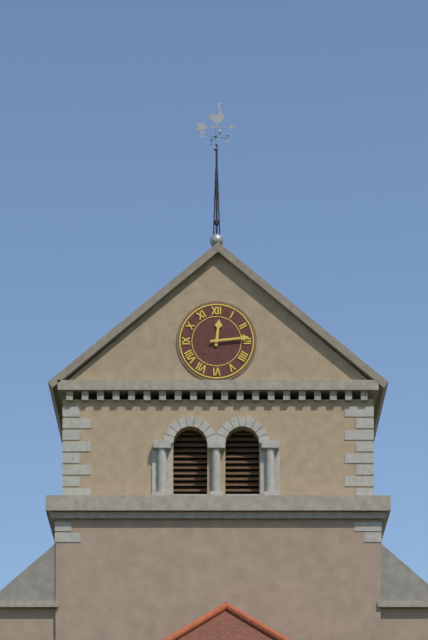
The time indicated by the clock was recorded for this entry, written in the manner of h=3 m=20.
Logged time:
h=12 m=14
